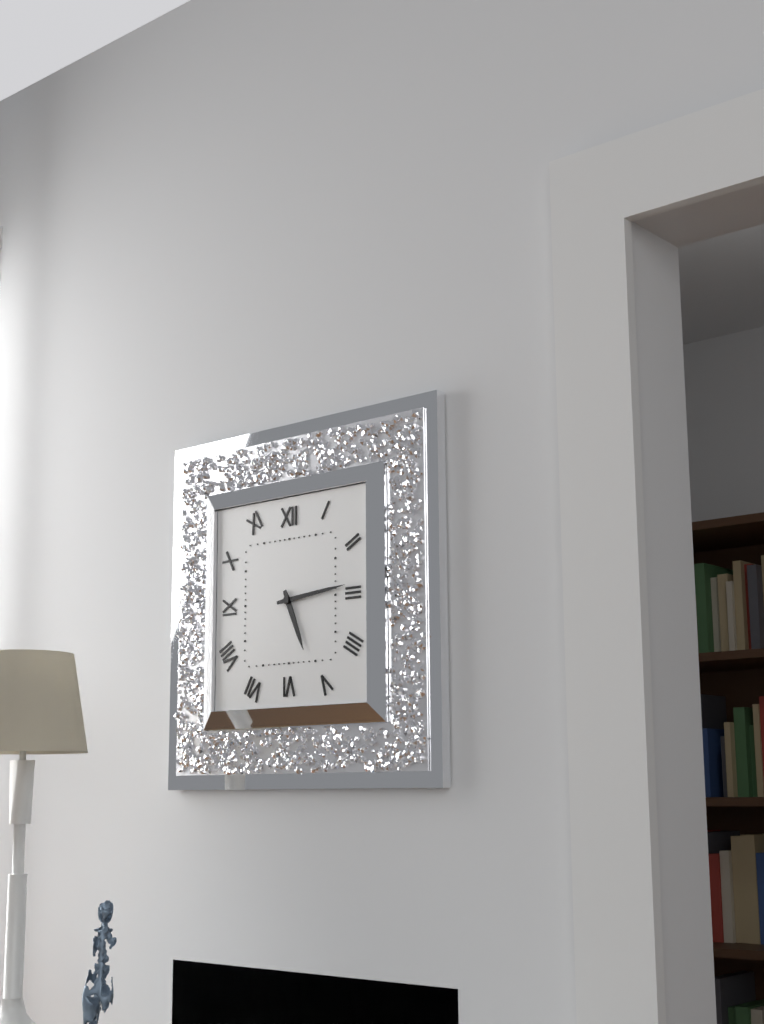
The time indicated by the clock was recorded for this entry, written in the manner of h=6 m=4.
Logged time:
h=5 m=14
